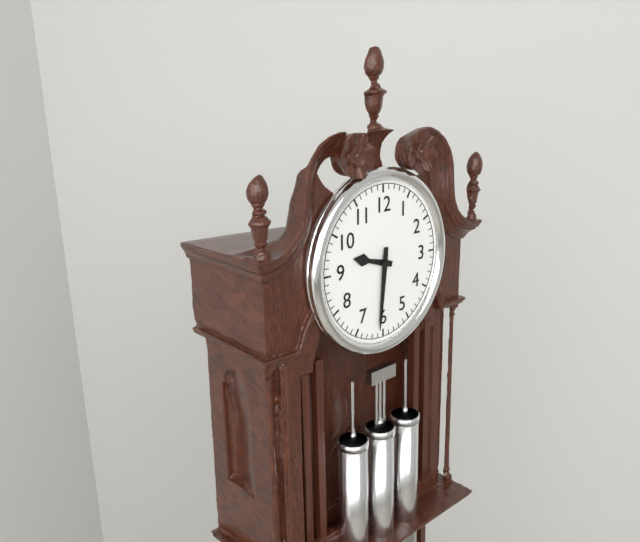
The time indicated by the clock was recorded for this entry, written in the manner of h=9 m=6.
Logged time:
h=9 m=31
